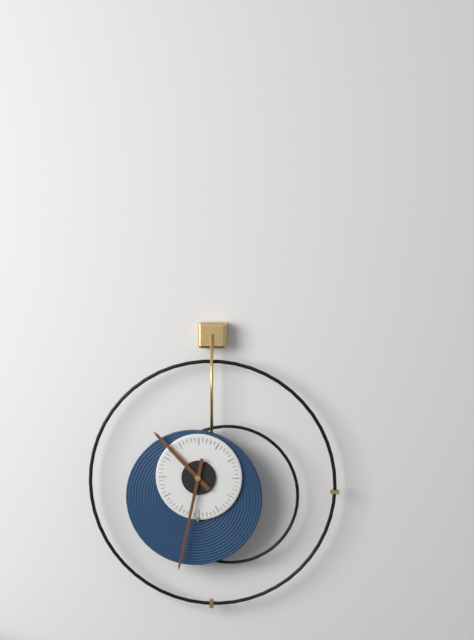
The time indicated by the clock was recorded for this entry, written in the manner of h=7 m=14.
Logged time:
h=10 m=32
